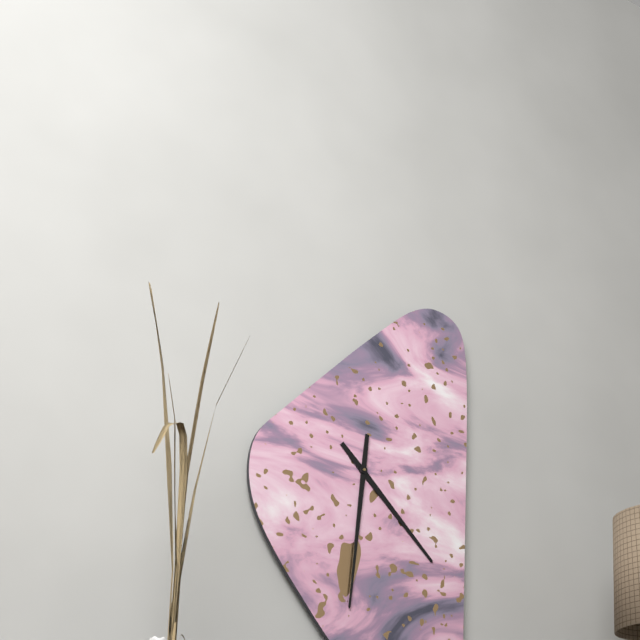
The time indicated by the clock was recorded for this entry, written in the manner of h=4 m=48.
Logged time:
h=4 m=31
